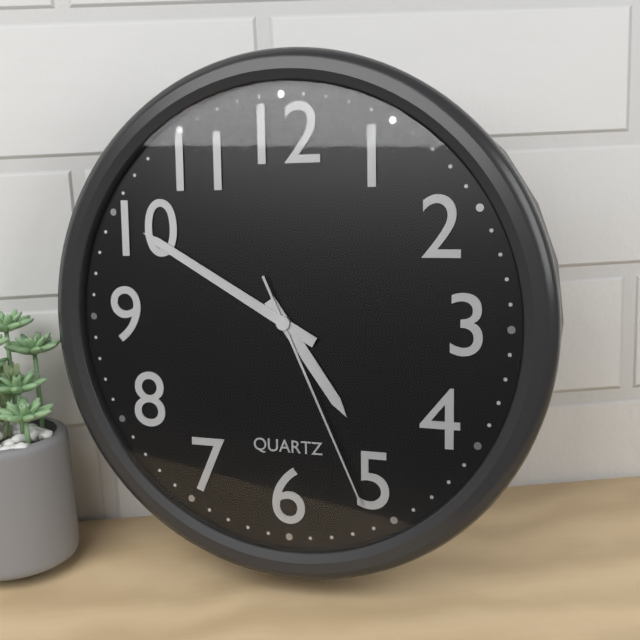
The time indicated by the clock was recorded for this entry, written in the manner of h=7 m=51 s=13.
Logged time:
h=4 m=50 s=26
